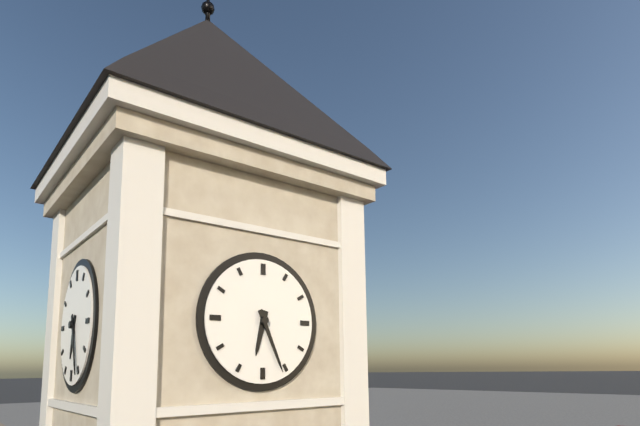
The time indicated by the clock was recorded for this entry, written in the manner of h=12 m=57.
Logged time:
h=6 m=26
